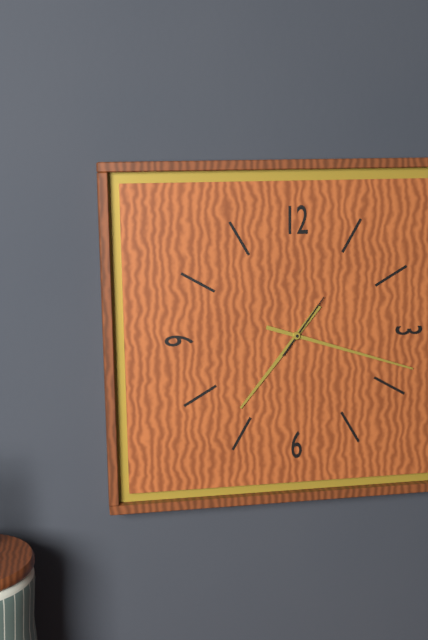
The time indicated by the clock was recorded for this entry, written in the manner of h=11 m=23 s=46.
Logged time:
h=7 m=18 s=6
